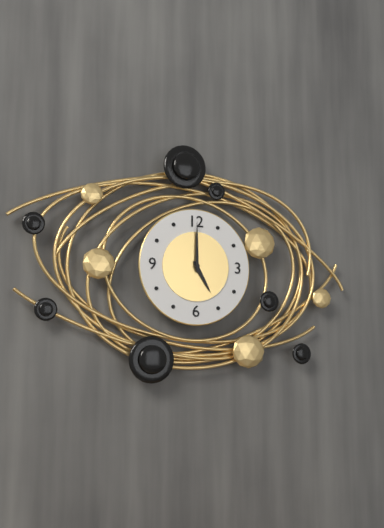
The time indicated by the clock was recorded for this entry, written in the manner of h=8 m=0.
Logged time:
h=5 m=0
